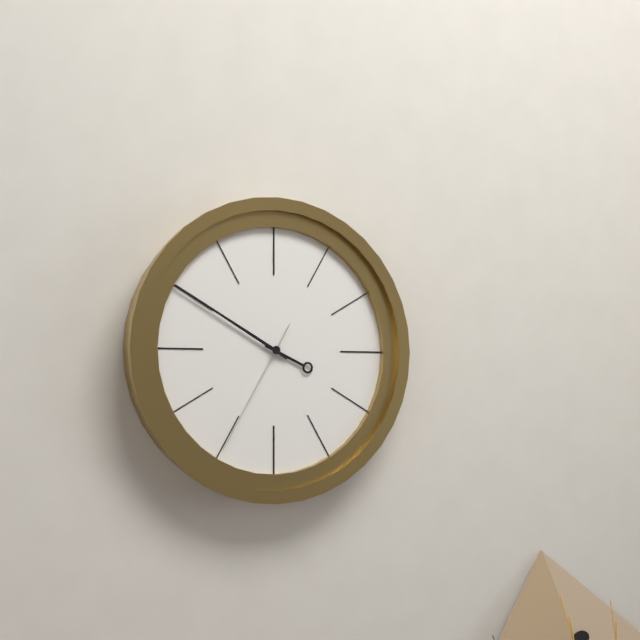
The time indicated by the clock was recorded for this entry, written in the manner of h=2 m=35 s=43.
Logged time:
h=3 m=50 s=35
